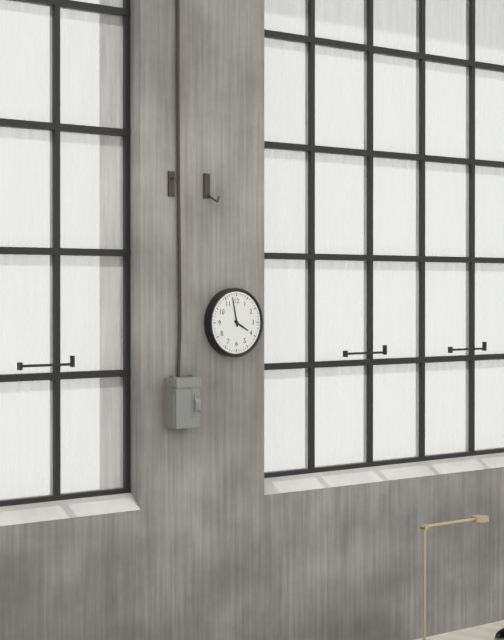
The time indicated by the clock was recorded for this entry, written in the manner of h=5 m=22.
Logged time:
h=3 m=58
